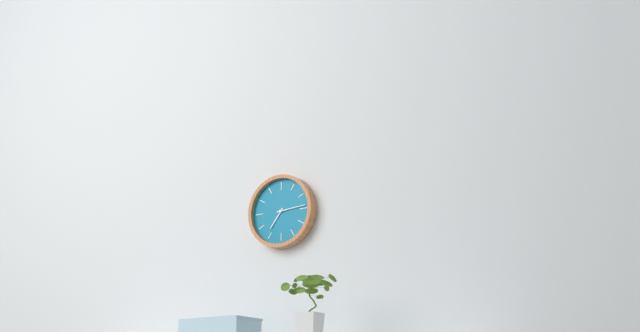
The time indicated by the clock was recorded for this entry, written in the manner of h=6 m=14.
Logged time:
h=7 m=14
